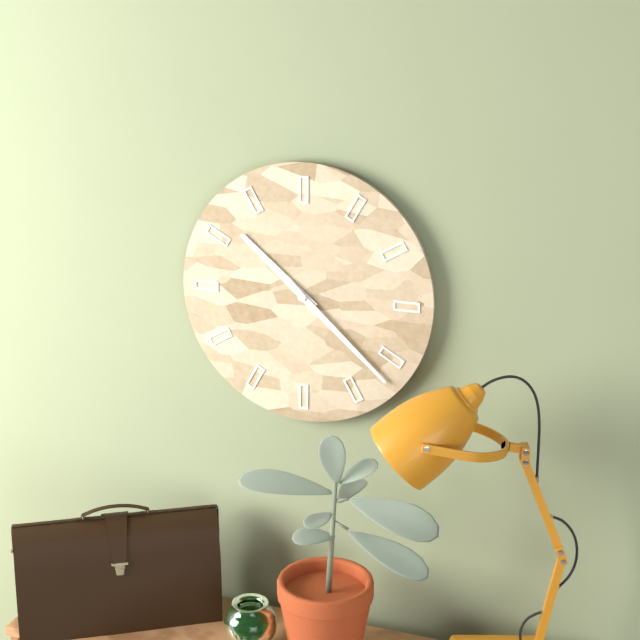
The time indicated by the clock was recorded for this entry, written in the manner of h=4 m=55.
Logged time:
h=10 m=22
